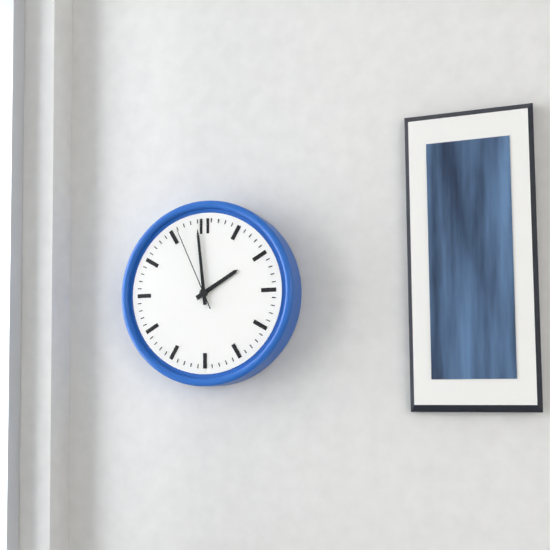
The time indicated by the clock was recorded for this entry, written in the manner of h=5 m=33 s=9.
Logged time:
h=1 m=59 s=56
